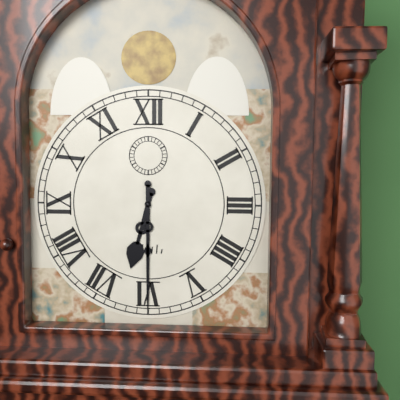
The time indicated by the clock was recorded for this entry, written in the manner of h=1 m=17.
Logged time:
h=6 m=30
